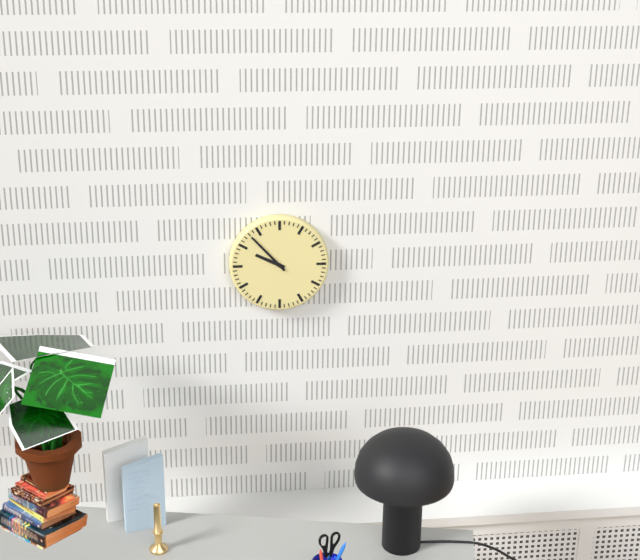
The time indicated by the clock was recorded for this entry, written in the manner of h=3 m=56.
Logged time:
h=9 m=53
